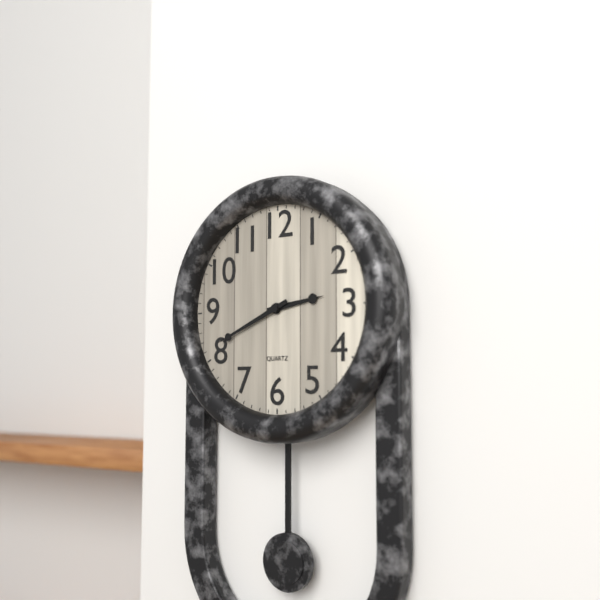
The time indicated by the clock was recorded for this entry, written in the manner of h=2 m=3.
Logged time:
h=2 m=41
